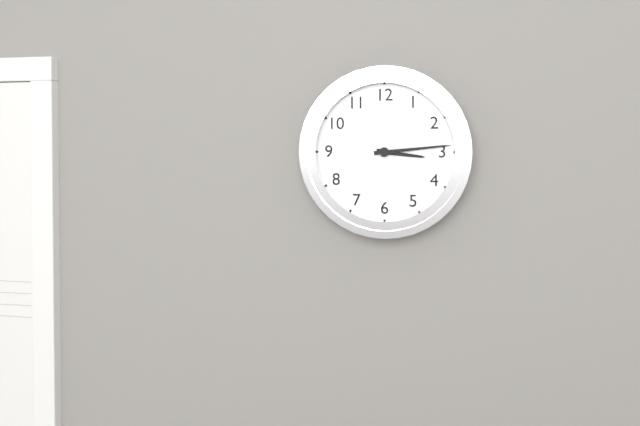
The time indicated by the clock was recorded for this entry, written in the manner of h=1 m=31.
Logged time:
h=3 m=14
